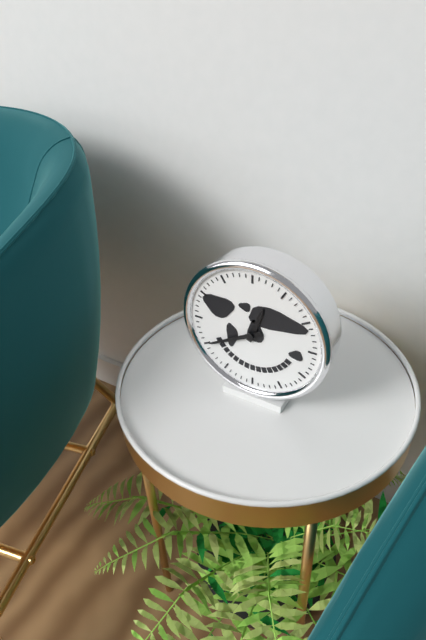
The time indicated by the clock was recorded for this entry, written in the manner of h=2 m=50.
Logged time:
h=12 m=40
